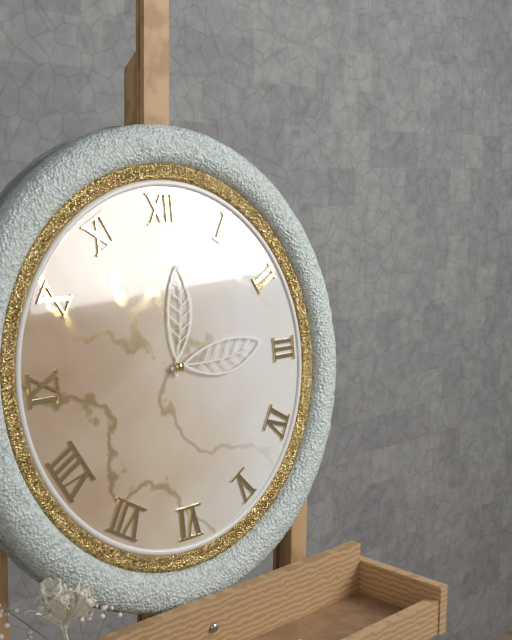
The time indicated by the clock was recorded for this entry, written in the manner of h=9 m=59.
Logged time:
h=12 m=14
